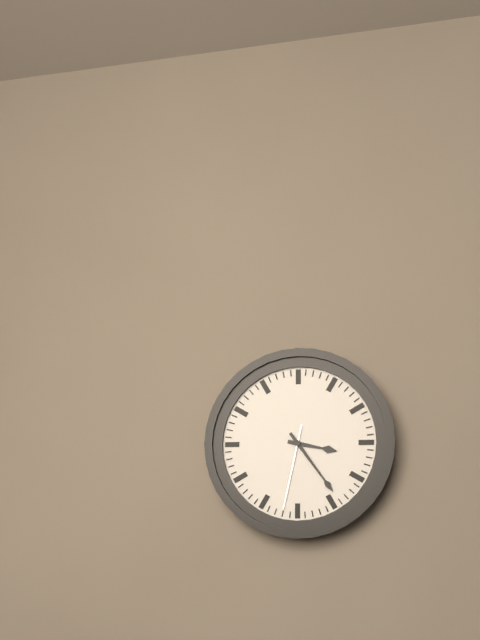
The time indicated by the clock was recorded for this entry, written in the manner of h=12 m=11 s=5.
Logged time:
h=3 m=24 s=32
